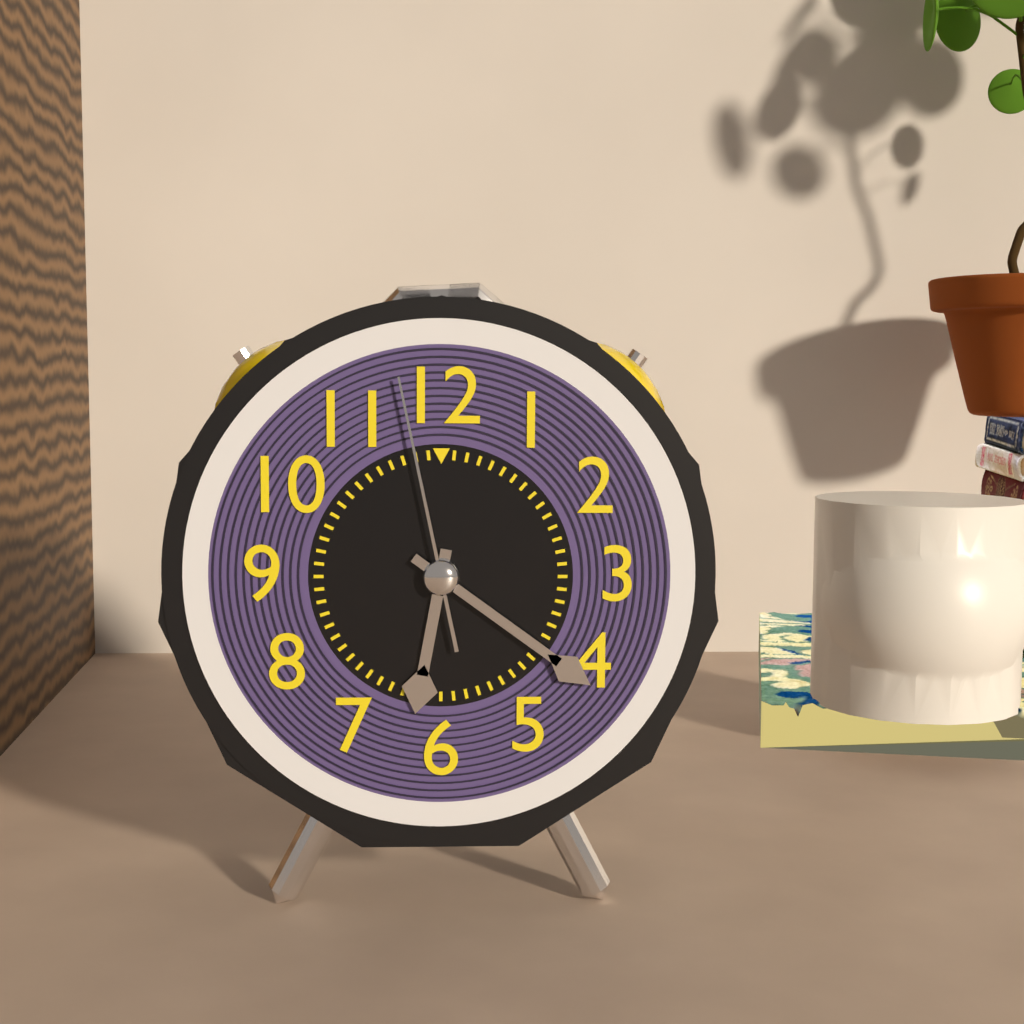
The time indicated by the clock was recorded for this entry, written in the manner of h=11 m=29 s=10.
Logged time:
h=6 m=21 s=58
